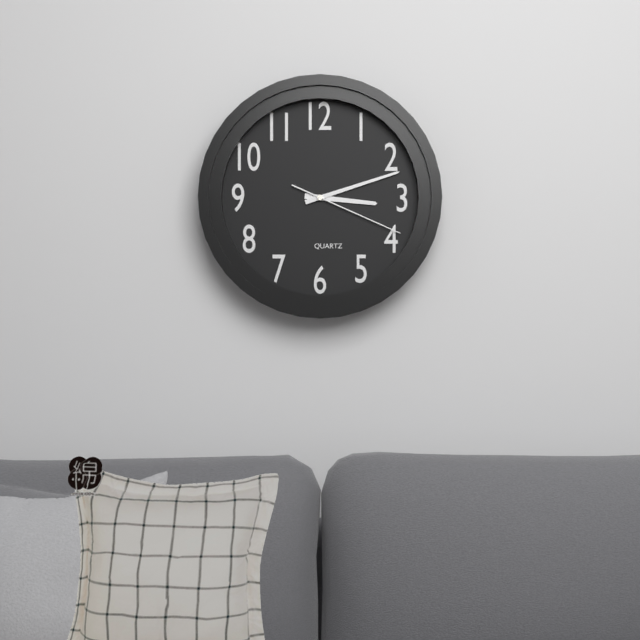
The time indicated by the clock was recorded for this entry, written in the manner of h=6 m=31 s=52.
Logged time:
h=3 m=12 s=19
